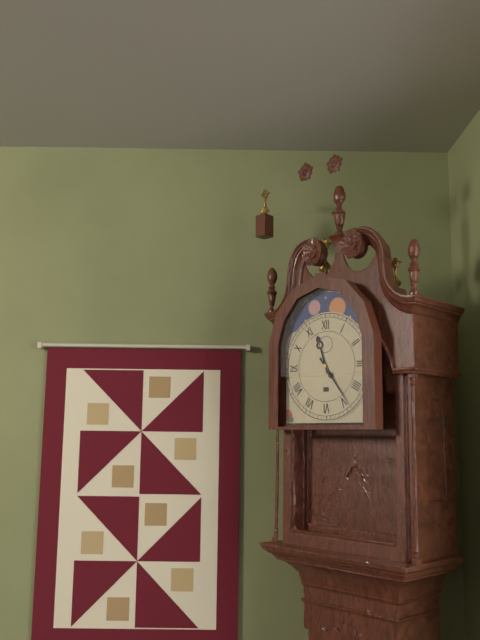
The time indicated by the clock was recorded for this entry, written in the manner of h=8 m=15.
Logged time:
h=11 m=24
